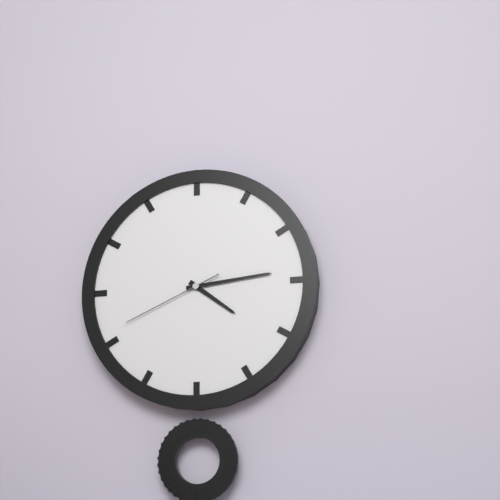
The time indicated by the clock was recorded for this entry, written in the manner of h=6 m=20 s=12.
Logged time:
h=4 m=14 s=41
